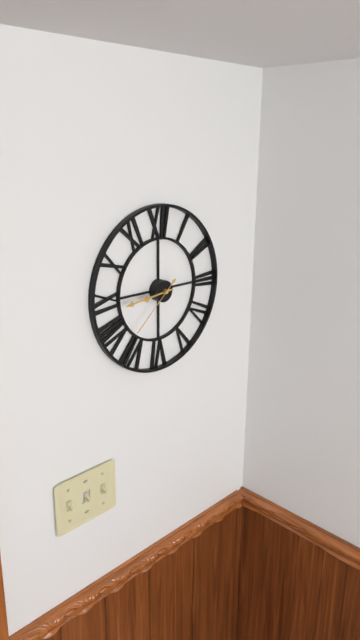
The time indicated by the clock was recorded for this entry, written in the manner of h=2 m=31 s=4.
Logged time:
h=8 m=44 s=38
